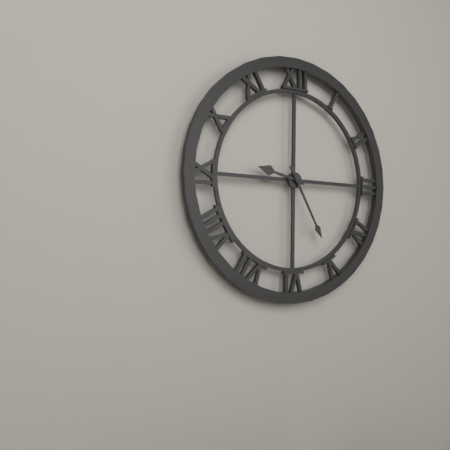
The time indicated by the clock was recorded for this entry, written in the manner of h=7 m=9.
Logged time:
h=9 m=25
